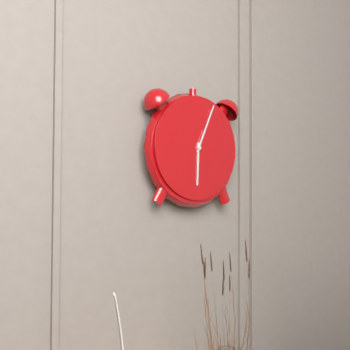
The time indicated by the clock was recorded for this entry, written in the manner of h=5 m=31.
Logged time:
h=6 m=4
